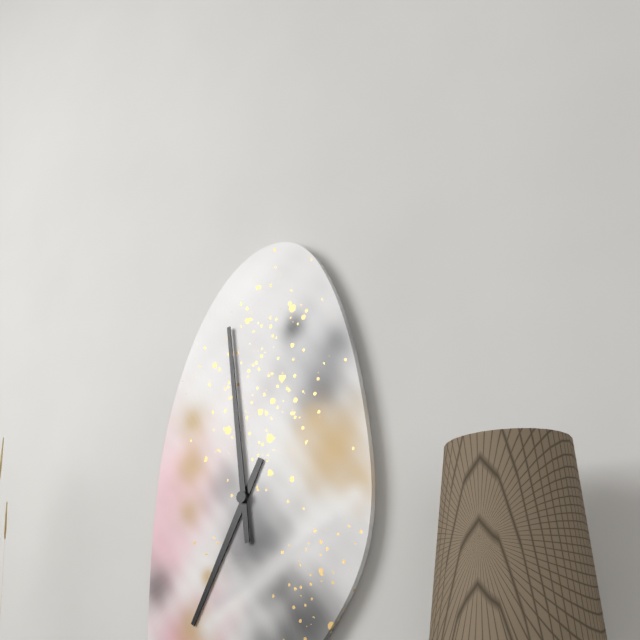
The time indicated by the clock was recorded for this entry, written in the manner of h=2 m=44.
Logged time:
h=6 m=59
